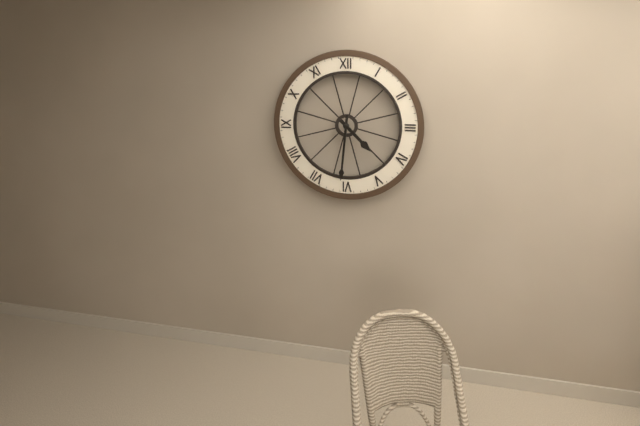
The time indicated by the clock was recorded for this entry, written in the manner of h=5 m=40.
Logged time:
h=4 m=31
